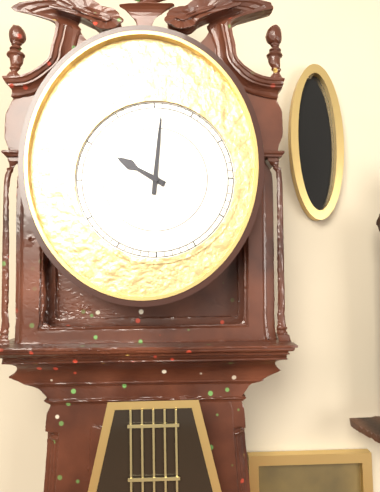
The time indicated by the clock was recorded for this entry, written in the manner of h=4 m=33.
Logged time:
h=10 m=1
